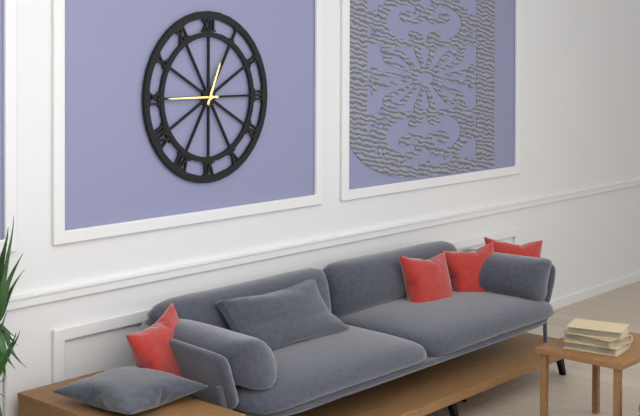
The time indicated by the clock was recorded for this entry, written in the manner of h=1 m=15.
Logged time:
h=12 m=45
